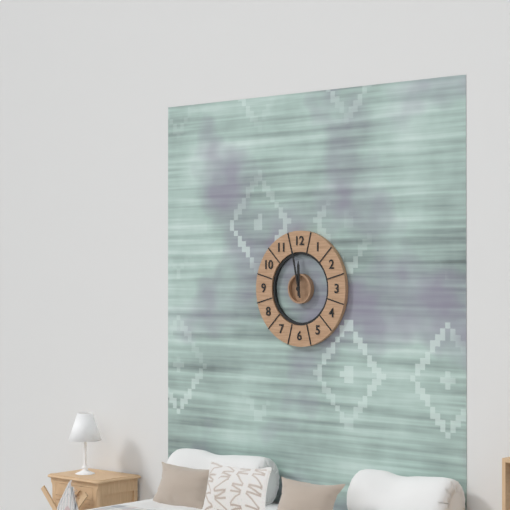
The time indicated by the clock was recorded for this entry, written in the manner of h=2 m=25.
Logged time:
h=11 m=58
